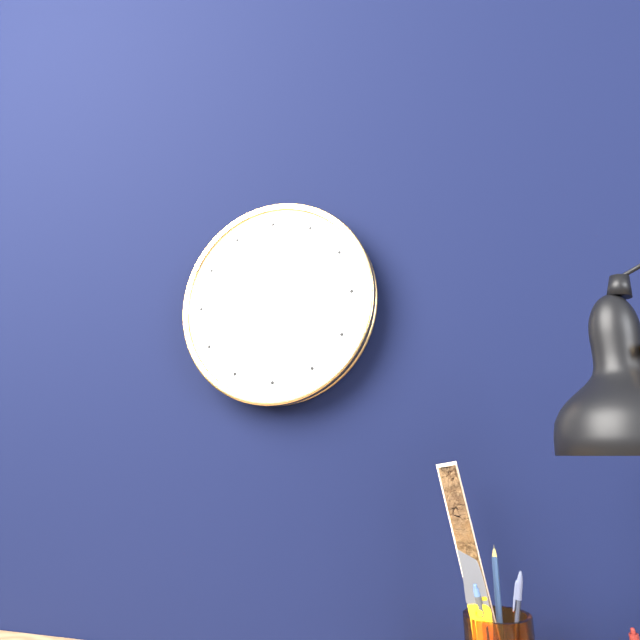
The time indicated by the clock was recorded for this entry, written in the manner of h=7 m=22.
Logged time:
h=2 m=40
